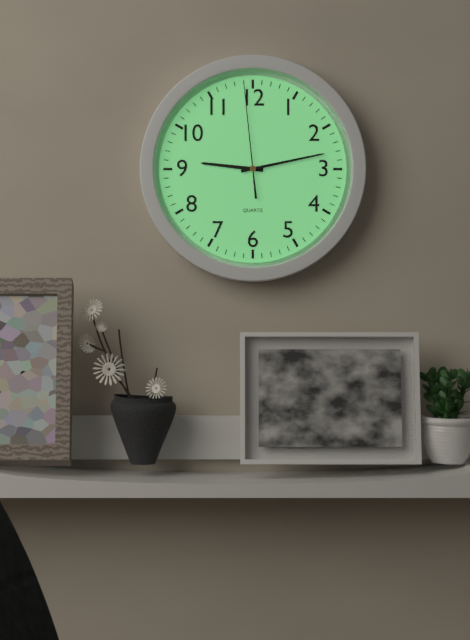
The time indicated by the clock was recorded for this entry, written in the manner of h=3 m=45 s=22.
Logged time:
h=9 m=13 s=59
